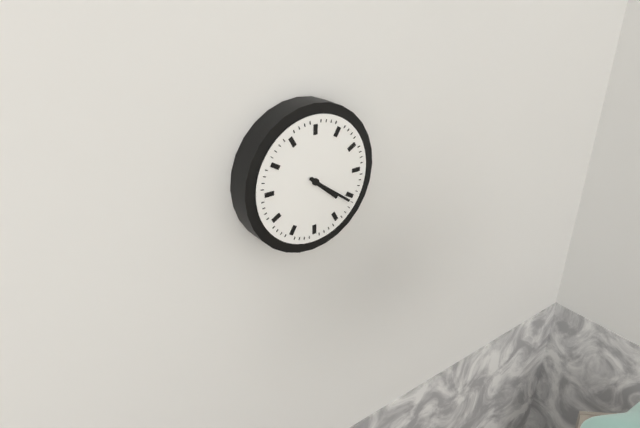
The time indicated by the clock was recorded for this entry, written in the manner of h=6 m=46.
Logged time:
h=4 m=21
